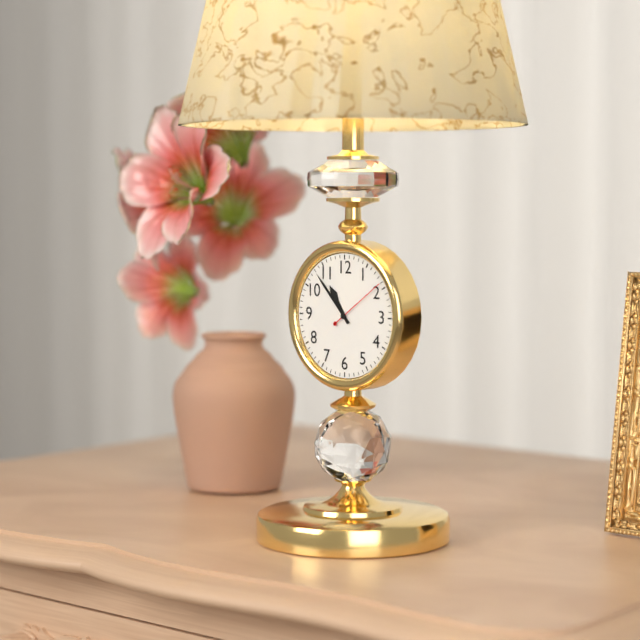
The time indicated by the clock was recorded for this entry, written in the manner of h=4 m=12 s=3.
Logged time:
h=10 m=53 s=9
